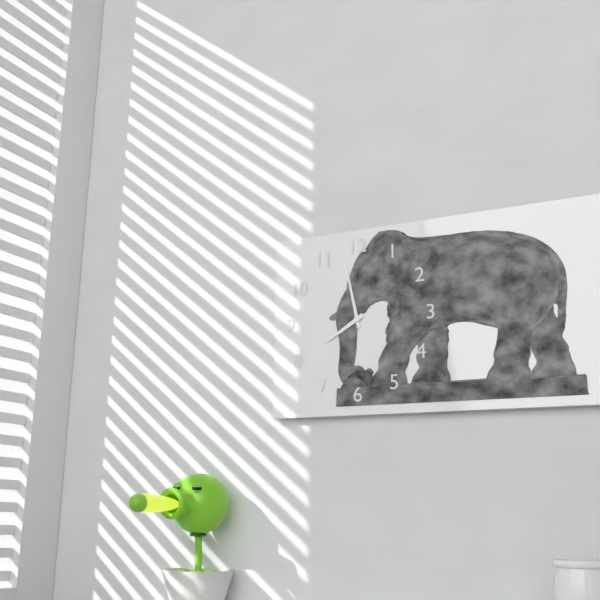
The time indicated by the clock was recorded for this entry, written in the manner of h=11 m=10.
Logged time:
h=7 m=58
